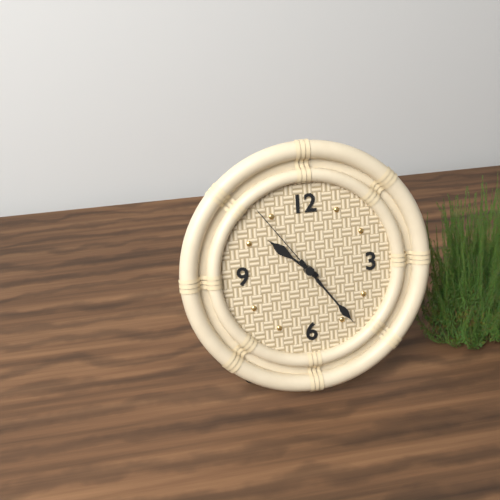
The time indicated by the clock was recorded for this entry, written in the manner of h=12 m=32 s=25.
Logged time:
h=10 m=24 s=54
